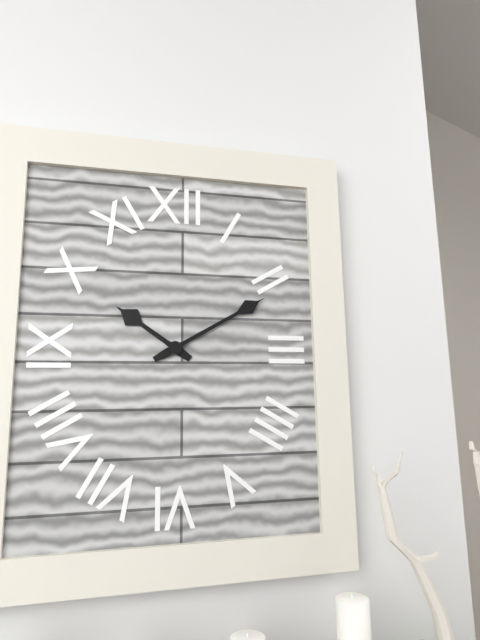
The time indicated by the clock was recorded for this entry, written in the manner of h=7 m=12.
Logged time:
h=10 m=10
